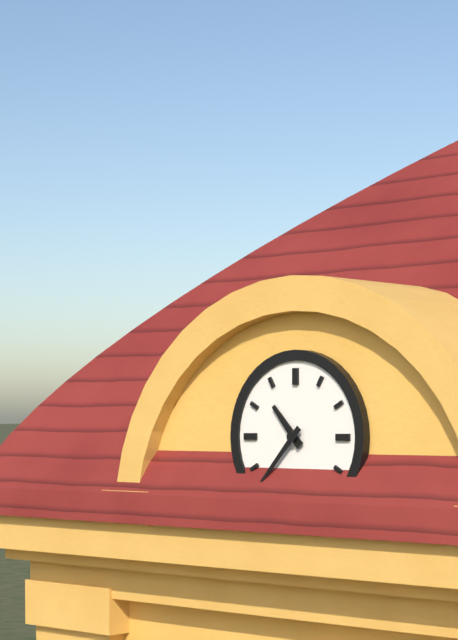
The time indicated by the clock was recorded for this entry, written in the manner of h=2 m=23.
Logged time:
h=10 m=37
